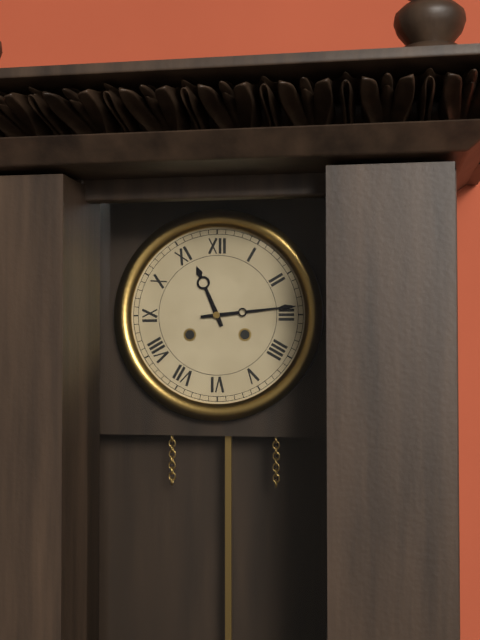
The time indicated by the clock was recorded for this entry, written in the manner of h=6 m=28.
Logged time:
h=11 m=14
